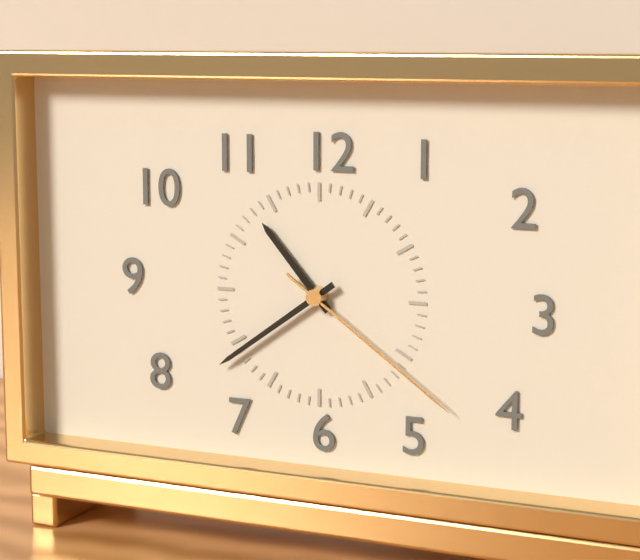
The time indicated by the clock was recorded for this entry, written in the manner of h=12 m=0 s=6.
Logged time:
h=10 m=39 s=21
